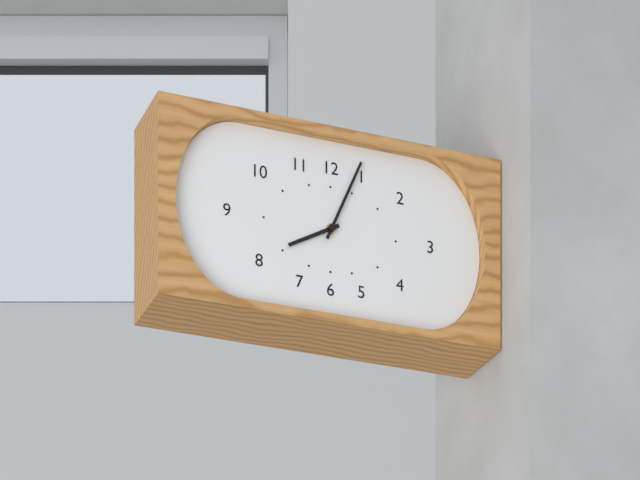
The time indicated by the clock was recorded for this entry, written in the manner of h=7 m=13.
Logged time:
h=8 m=4
